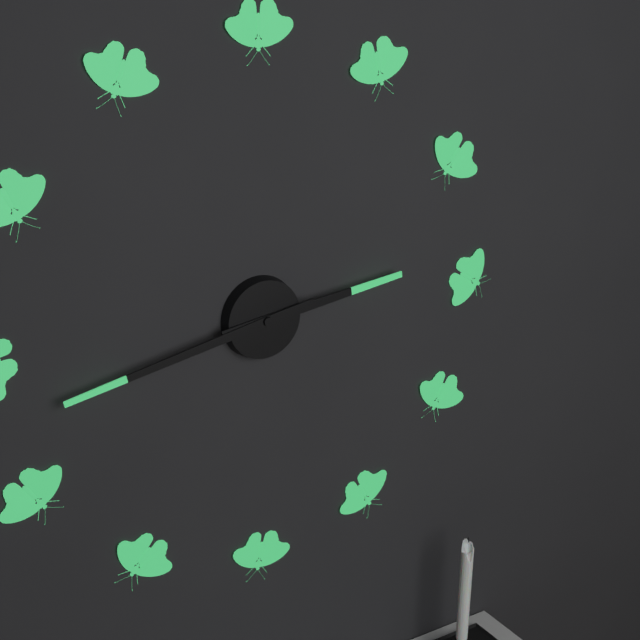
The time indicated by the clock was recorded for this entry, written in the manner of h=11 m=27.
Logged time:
h=2 m=43
